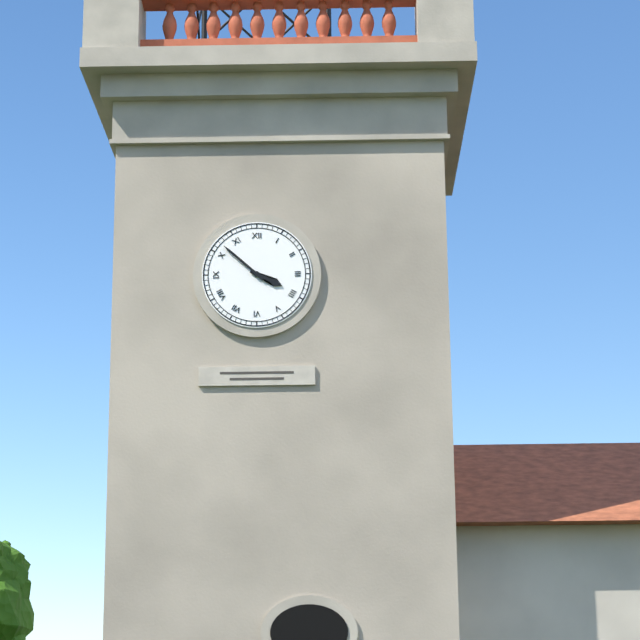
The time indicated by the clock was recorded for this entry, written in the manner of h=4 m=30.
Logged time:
h=3 m=52
